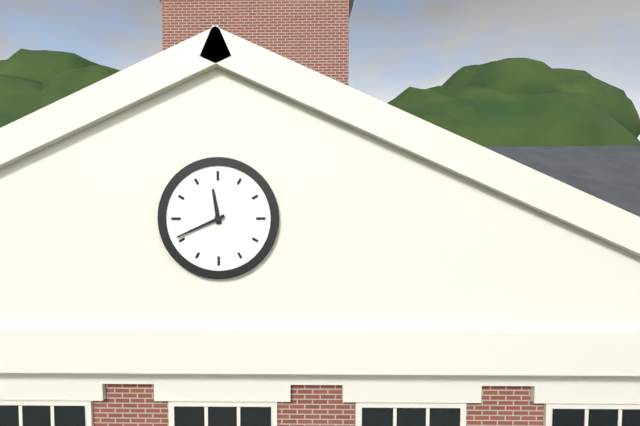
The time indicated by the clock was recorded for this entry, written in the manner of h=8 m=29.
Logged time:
h=11 m=41
